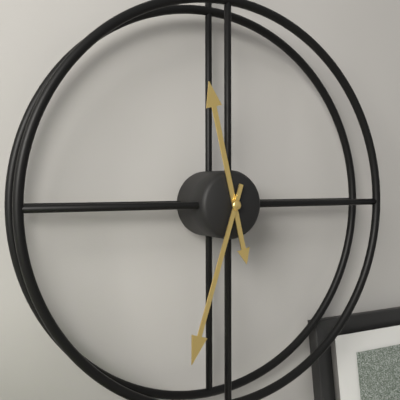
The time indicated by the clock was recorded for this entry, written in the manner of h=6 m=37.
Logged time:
h=11 m=33
